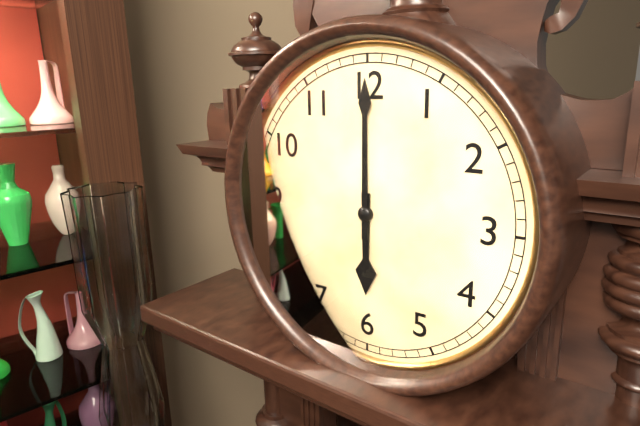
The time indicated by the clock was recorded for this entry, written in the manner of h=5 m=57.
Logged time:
h=6 m=0
